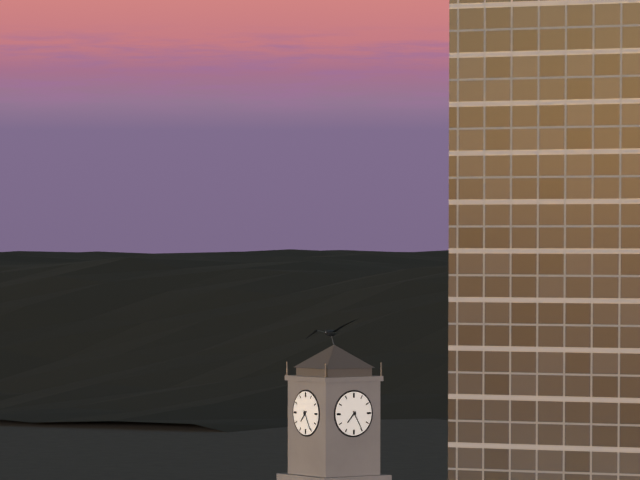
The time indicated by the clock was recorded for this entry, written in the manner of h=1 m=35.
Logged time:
h=7 m=25
